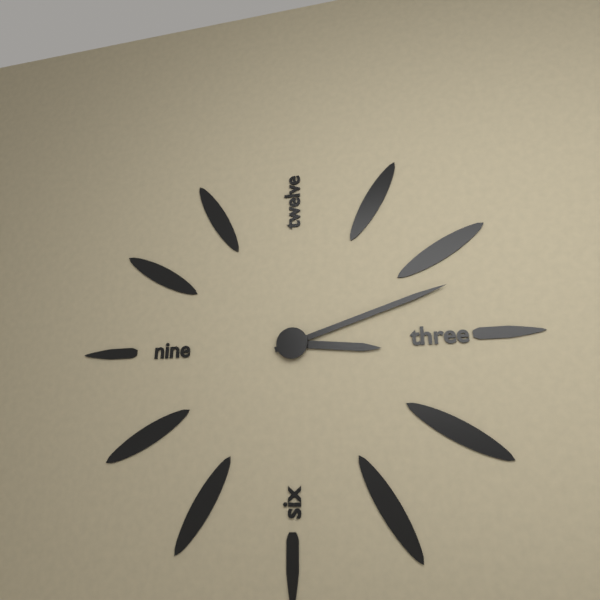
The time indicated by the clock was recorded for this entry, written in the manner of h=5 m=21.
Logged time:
h=3 m=12
